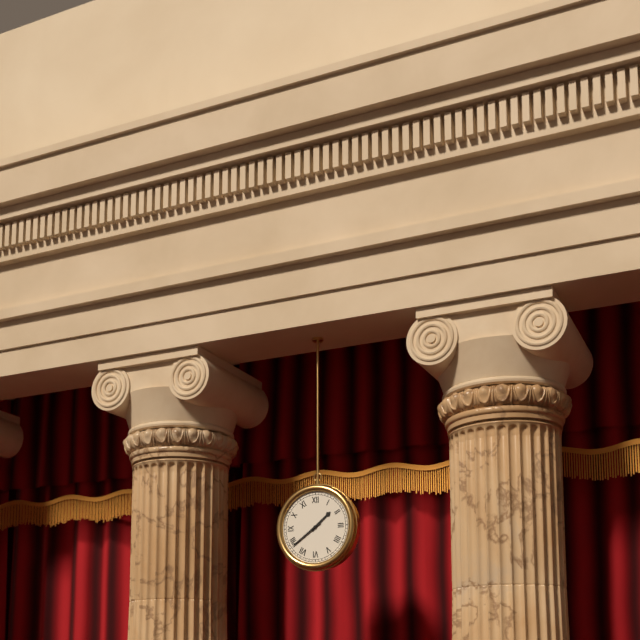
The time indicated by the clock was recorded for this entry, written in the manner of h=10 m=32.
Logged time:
h=1 m=39
